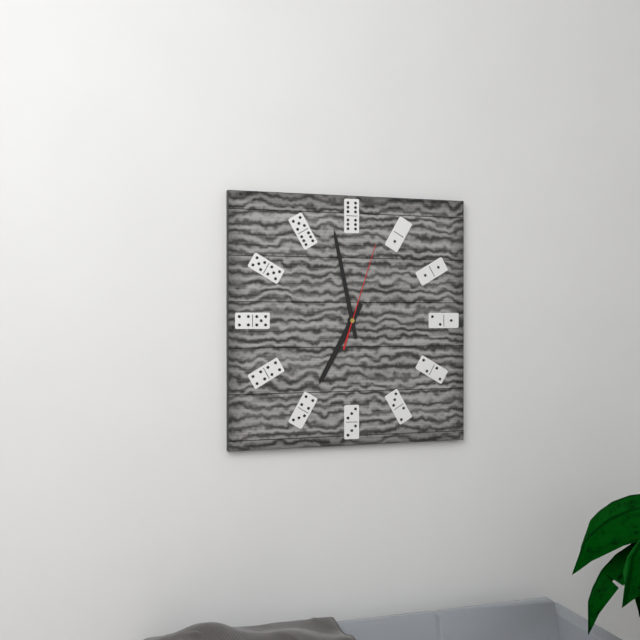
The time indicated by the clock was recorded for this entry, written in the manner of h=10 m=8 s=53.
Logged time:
h=6 m=58 s=3
